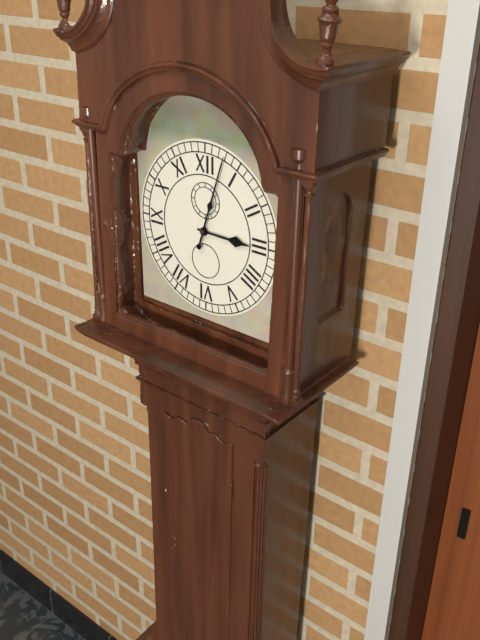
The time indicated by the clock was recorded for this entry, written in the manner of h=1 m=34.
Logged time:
h=3 m=3
